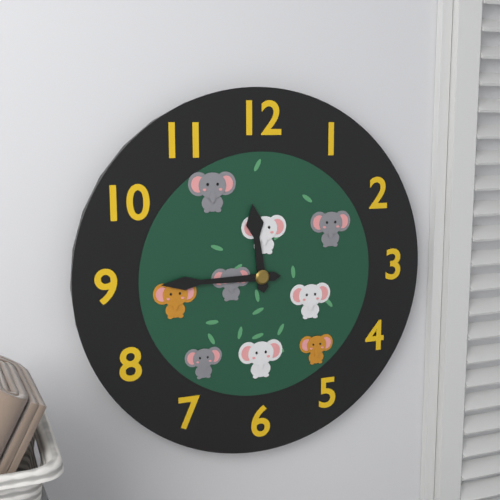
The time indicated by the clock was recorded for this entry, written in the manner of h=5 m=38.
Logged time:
h=11 m=45
